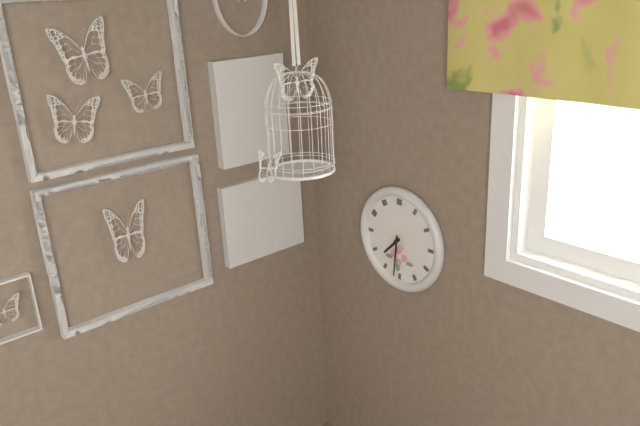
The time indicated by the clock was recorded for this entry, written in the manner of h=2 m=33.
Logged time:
h=7 m=31
